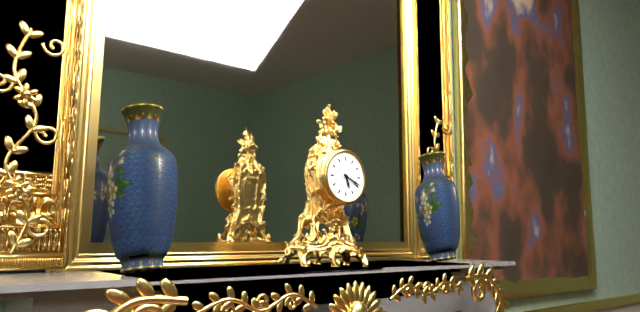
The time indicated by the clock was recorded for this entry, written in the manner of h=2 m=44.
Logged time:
h=5 m=19
